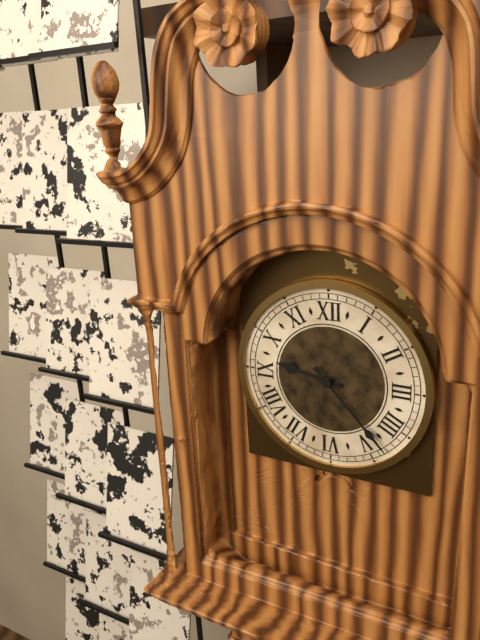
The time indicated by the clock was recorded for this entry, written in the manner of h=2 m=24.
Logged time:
h=9 m=23
